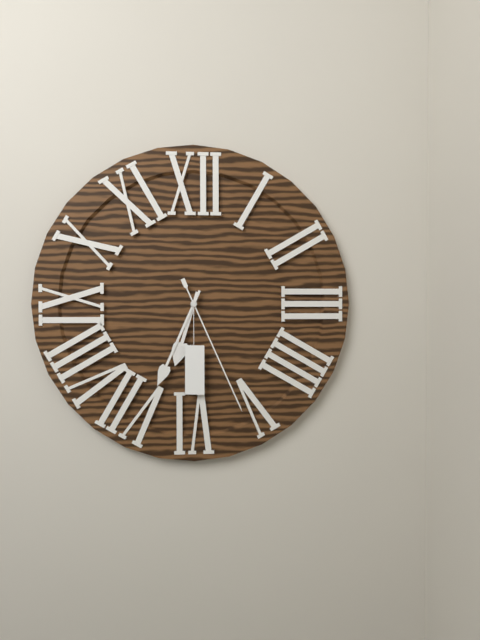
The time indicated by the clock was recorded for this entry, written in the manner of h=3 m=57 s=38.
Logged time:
h=6 m=34 s=26
